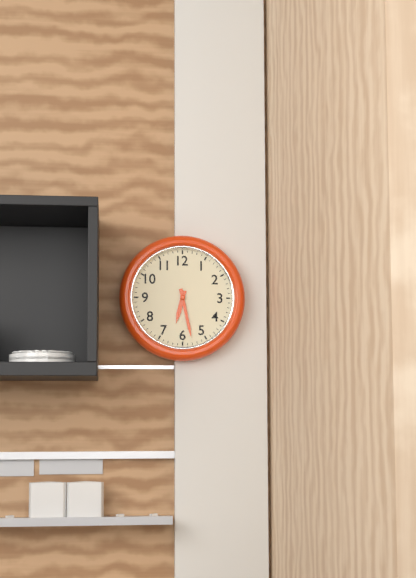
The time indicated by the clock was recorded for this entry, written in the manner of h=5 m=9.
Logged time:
h=6 m=28
